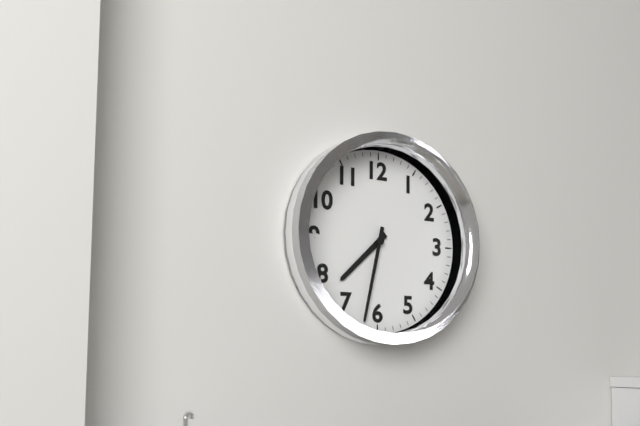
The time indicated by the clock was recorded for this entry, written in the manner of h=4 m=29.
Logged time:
h=7 m=32
